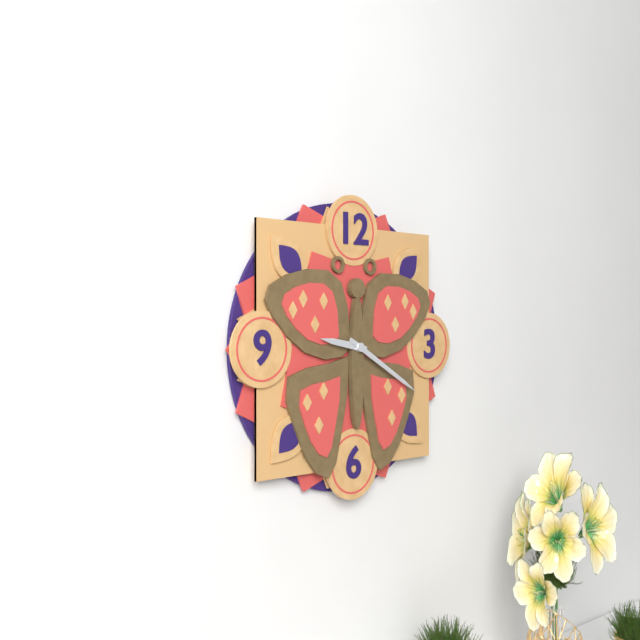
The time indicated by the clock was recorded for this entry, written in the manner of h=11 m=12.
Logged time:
h=9 m=20
